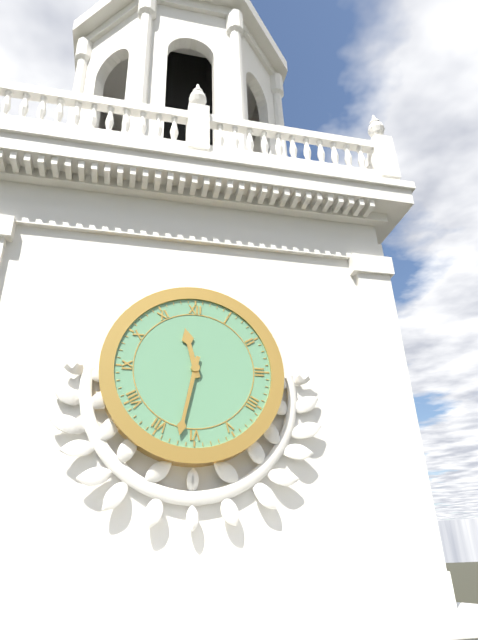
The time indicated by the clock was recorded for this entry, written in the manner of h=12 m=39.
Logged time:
h=11 m=32
